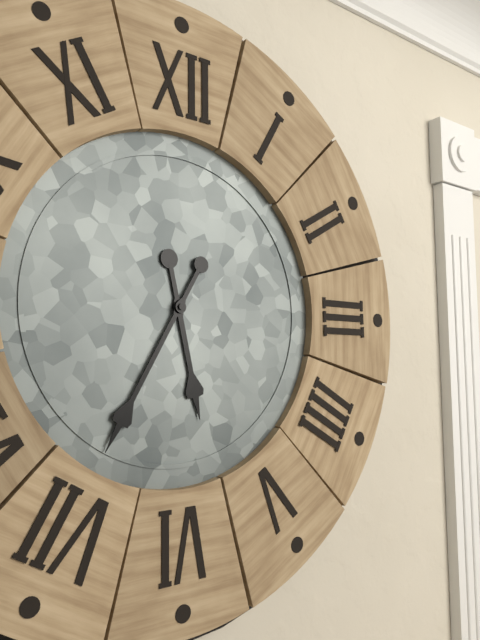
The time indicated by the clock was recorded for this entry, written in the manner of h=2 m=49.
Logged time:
h=5 m=35
